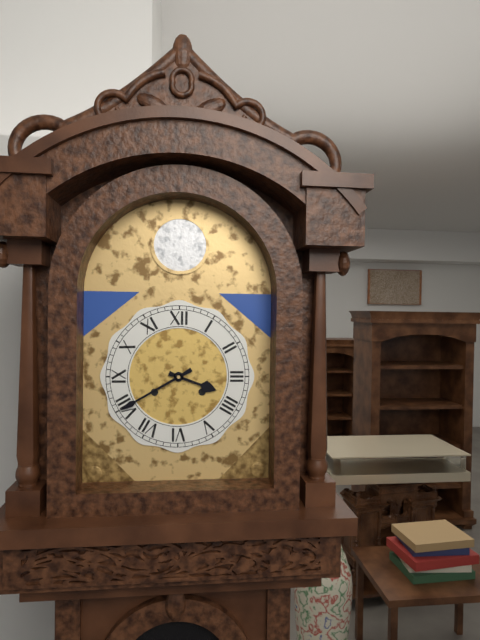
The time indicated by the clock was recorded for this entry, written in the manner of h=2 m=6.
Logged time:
h=3 m=40
